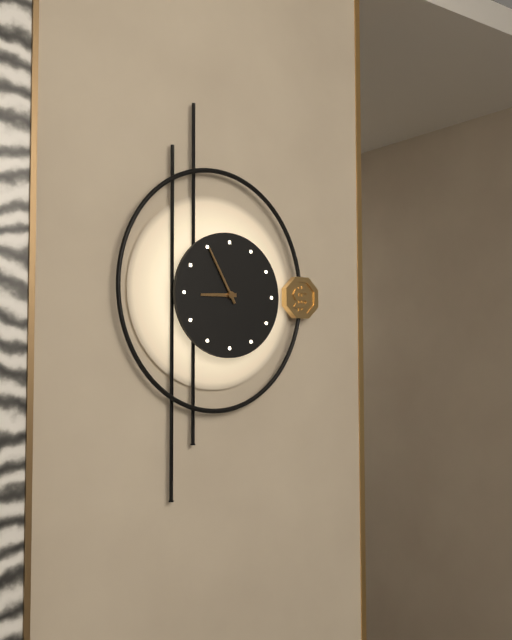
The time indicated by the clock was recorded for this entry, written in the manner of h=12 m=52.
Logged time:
h=8 m=55
